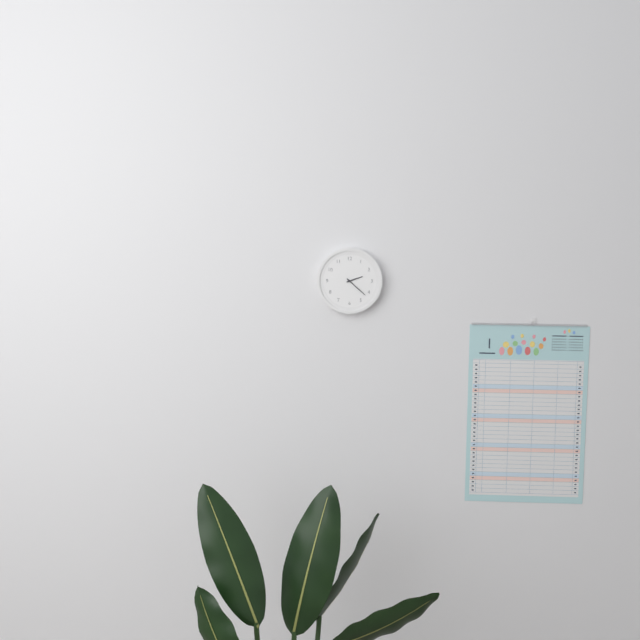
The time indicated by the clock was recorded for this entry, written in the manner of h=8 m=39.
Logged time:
h=2 m=22
